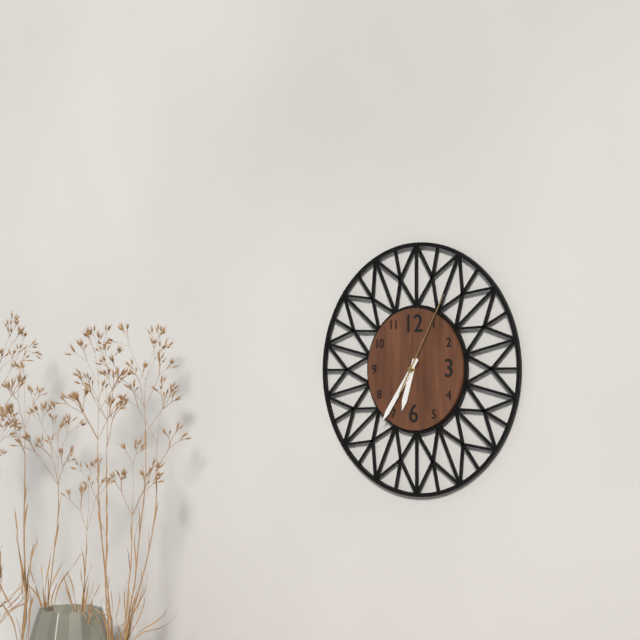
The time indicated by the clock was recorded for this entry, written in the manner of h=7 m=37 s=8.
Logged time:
h=6 m=36 s=5
